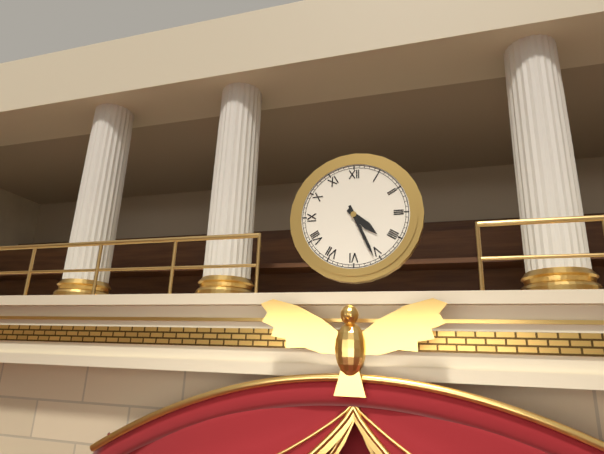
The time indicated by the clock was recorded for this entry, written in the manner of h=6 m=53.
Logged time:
h=4 m=26
